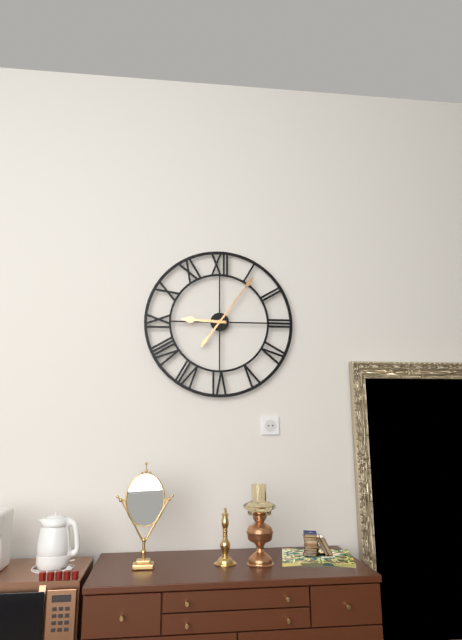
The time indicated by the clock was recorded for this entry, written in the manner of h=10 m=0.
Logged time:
h=9 m=6
